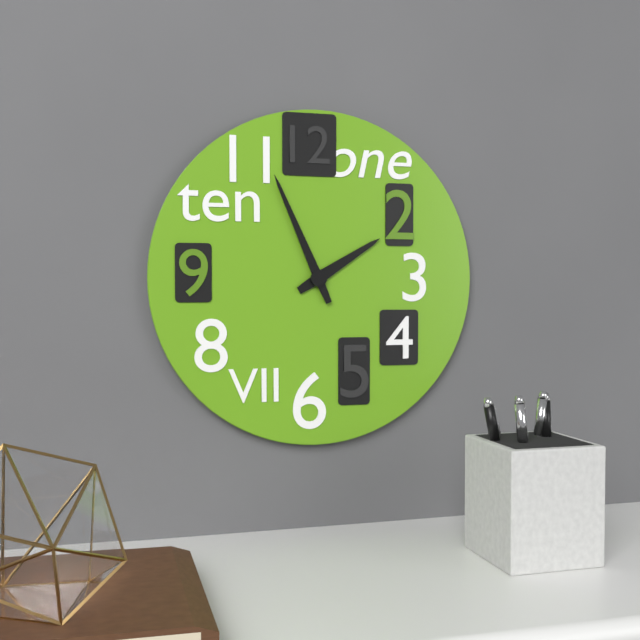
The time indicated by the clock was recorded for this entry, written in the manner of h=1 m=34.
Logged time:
h=1 m=56
